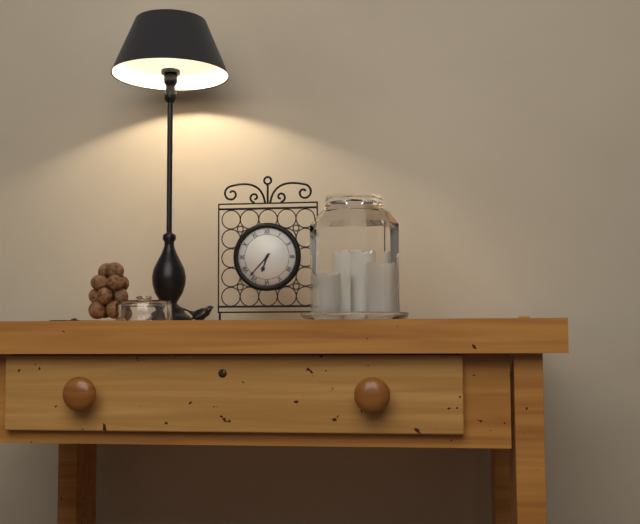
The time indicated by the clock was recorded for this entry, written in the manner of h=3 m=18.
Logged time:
h=6 m=37
